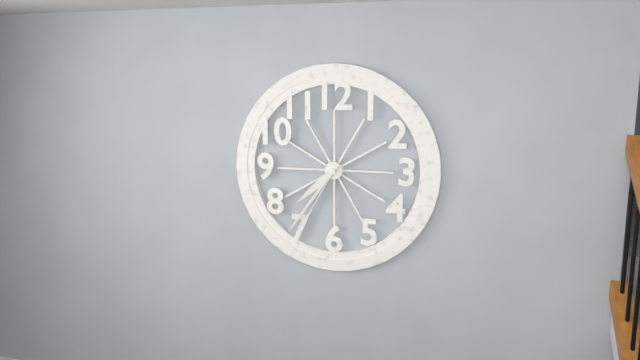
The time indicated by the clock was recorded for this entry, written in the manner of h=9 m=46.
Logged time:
h=7 m=36
